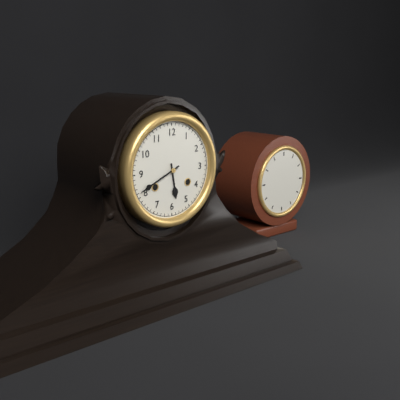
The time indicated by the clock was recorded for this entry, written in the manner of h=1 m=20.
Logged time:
h=5 m=41
